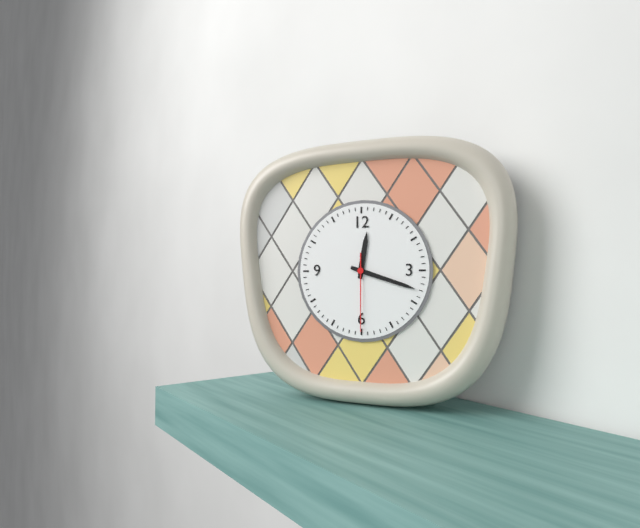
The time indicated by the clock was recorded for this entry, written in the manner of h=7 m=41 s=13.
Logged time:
h=12 m=18 s=30
